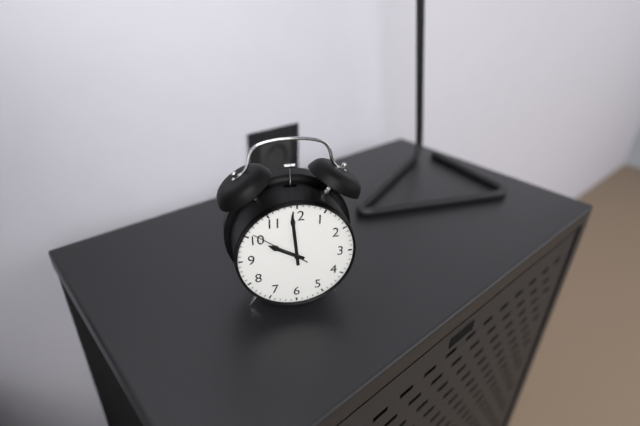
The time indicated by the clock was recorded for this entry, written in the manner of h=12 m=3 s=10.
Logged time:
h=9 m=59 s=51
